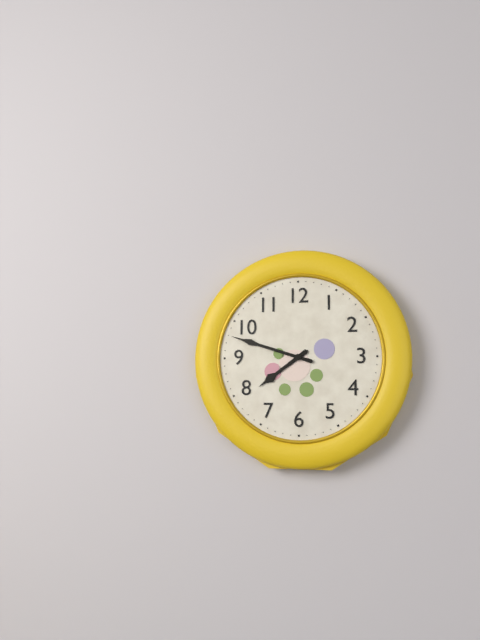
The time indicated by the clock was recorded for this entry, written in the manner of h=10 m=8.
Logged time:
h=7 m=48
